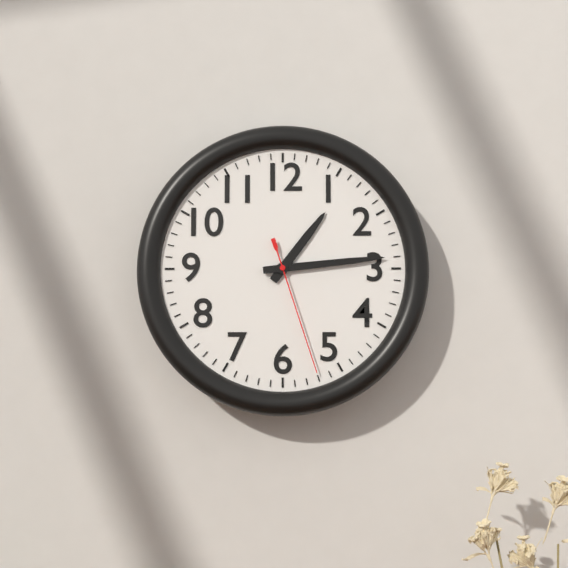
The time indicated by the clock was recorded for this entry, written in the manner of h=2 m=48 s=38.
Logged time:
h=1 m=14 s=27
